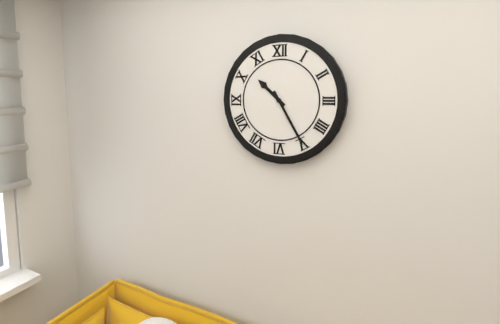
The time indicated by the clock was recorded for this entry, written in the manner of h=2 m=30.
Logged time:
h=10 m=25
